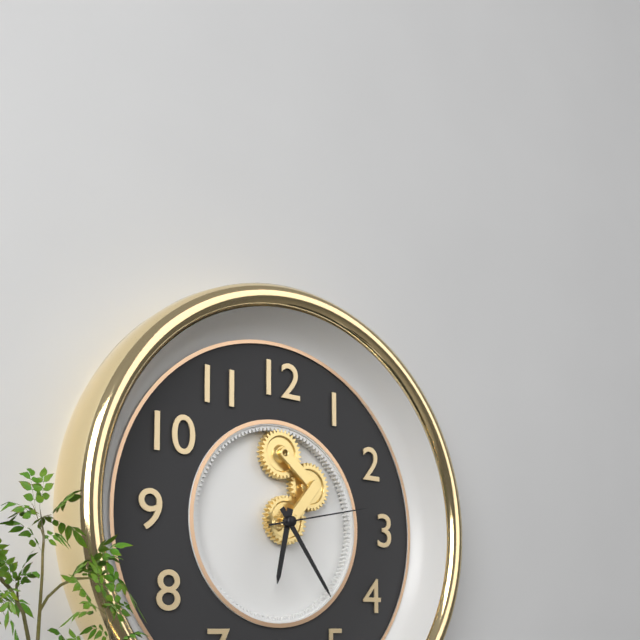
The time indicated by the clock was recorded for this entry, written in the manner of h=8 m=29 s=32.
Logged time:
h=6 m=24 s=13
